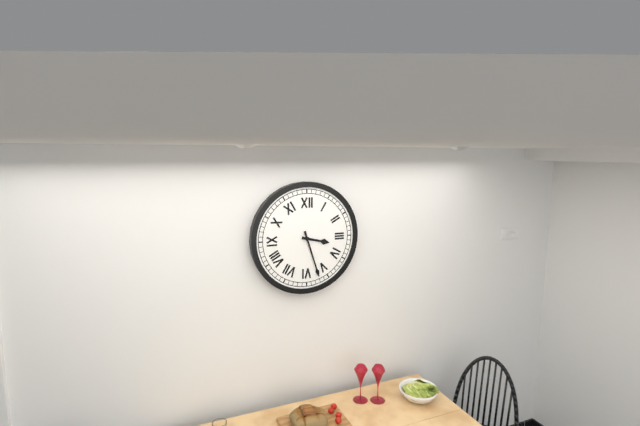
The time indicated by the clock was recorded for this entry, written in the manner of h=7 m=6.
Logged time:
h=3 m=27
